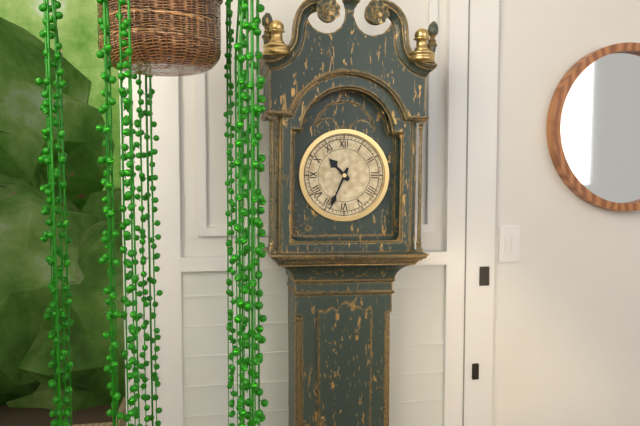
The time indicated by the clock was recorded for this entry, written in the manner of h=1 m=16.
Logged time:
h=10 m=34
